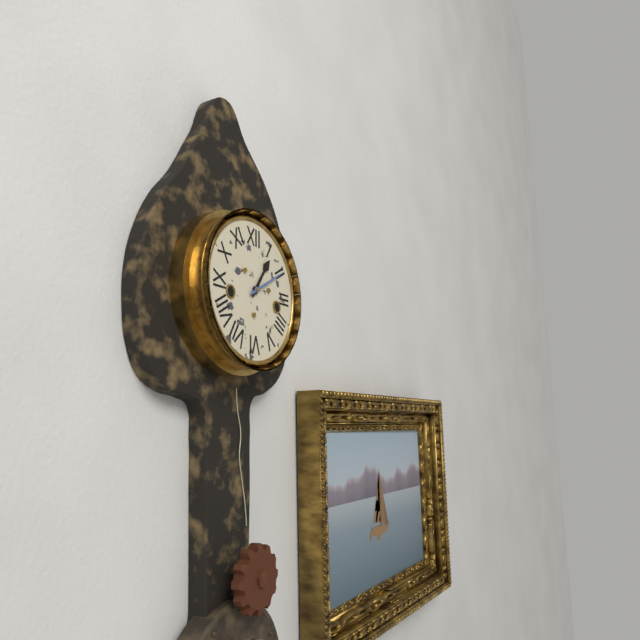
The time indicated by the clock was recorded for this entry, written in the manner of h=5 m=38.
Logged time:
h=1 m=10
